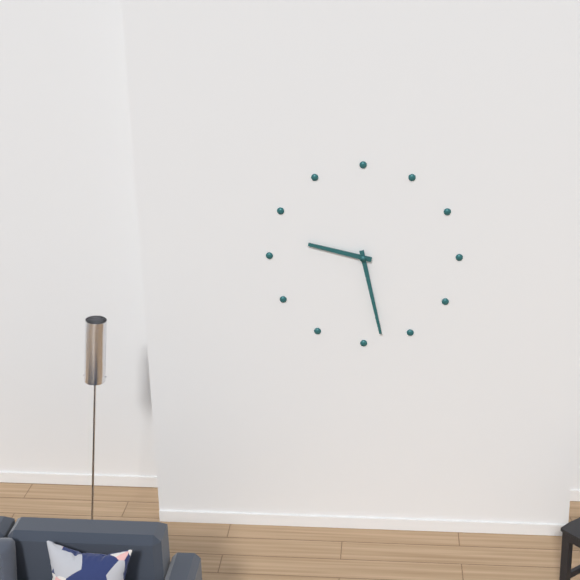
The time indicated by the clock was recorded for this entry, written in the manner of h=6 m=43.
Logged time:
h=9 m=28
